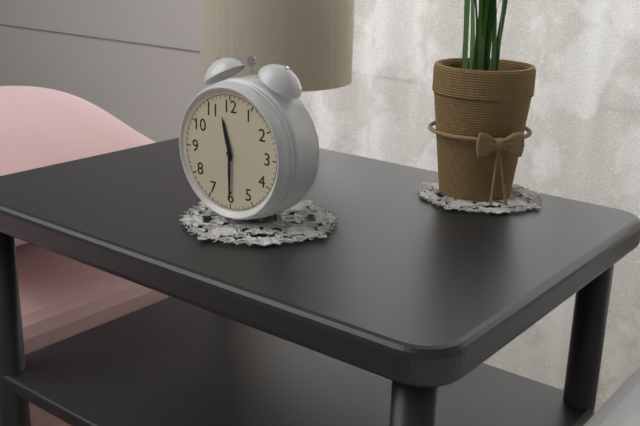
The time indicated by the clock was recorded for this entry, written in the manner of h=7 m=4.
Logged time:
h=11 m=30
